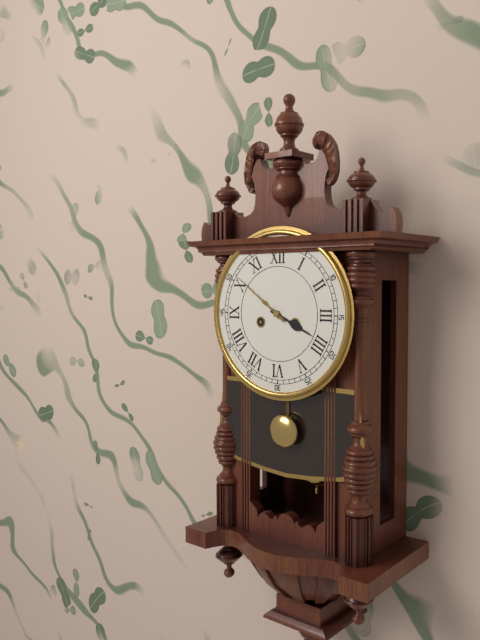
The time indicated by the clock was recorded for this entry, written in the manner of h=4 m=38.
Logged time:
h=3 m=51
